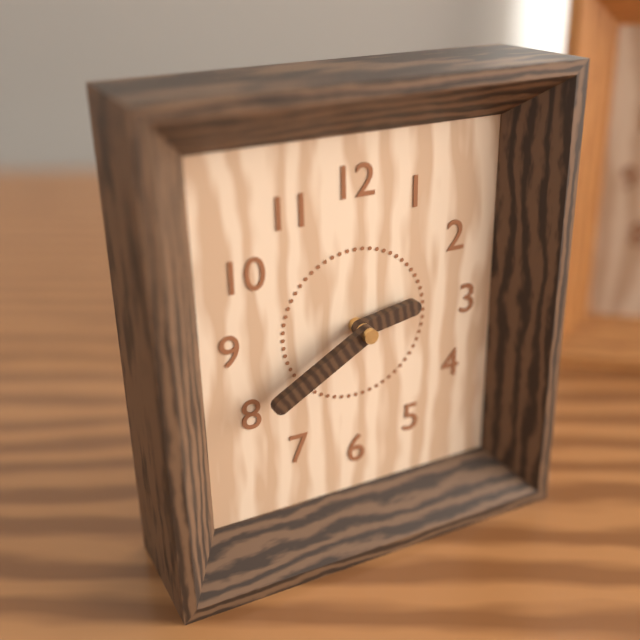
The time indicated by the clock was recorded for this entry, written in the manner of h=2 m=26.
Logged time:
h=2 m=40
